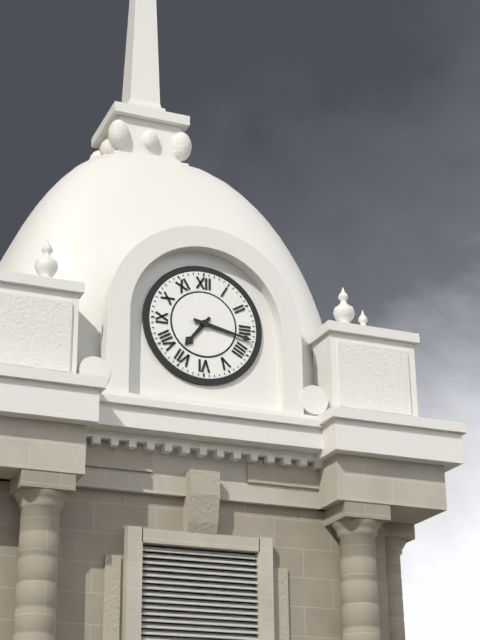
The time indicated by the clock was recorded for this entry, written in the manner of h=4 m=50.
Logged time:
h=7 m=17
